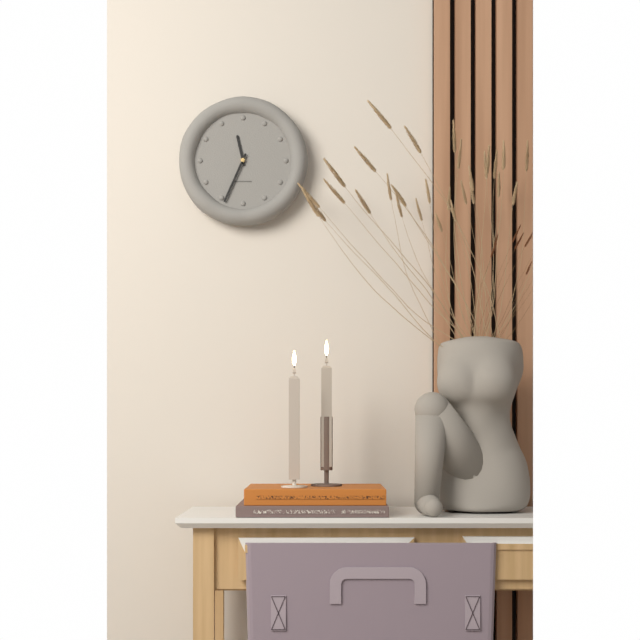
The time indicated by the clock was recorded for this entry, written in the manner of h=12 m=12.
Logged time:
h=11 m=34
